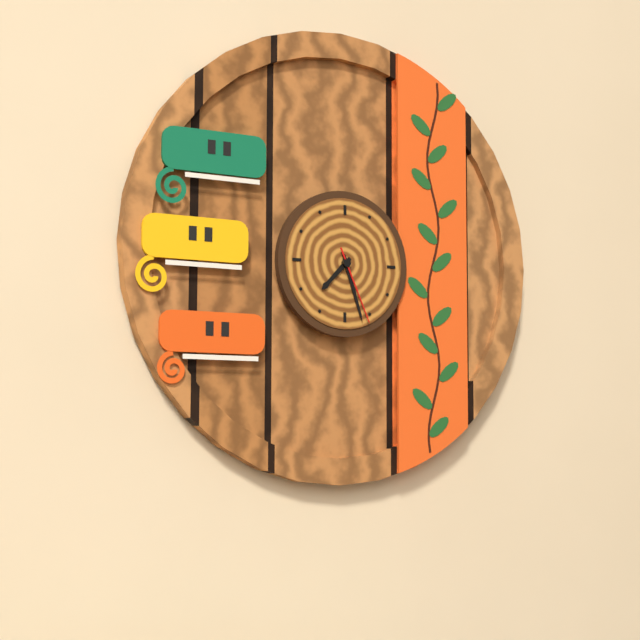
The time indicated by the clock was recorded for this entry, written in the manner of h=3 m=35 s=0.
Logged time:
h=7 m=27 s=26
